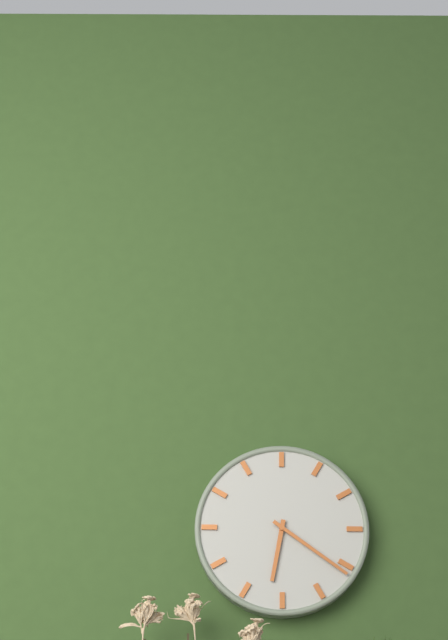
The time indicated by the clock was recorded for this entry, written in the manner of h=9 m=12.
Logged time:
h=6 m=21
